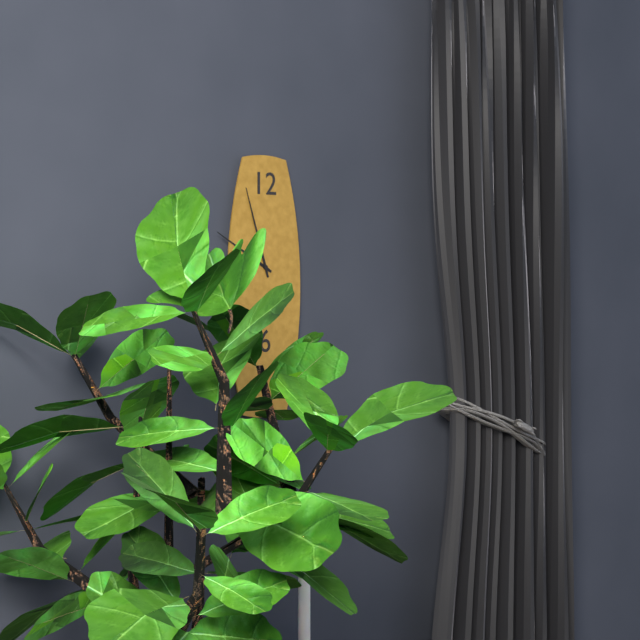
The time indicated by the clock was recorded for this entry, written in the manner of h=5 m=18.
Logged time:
h=9 m=57
